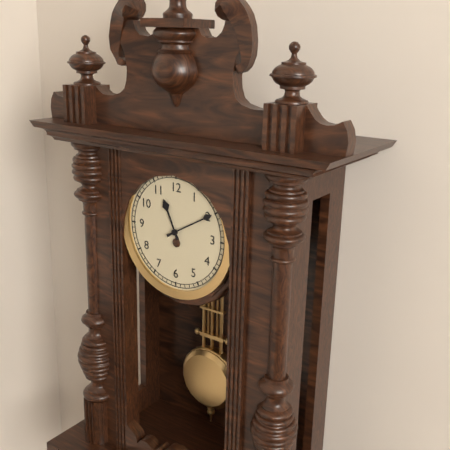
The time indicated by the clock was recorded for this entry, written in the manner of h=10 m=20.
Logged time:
h=11 m=10
